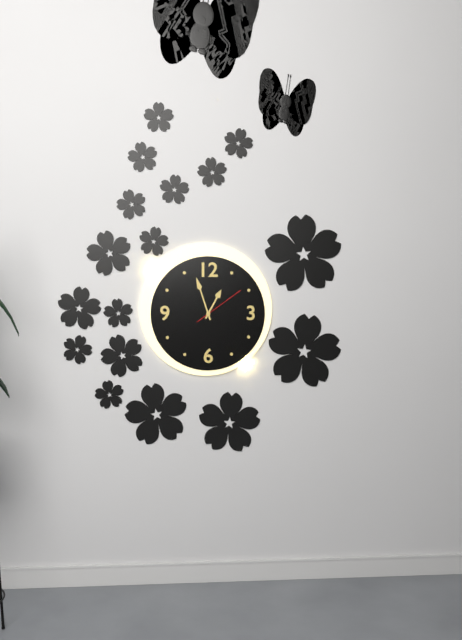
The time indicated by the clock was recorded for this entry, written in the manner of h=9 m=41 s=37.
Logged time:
h=12 m=57 s=9
